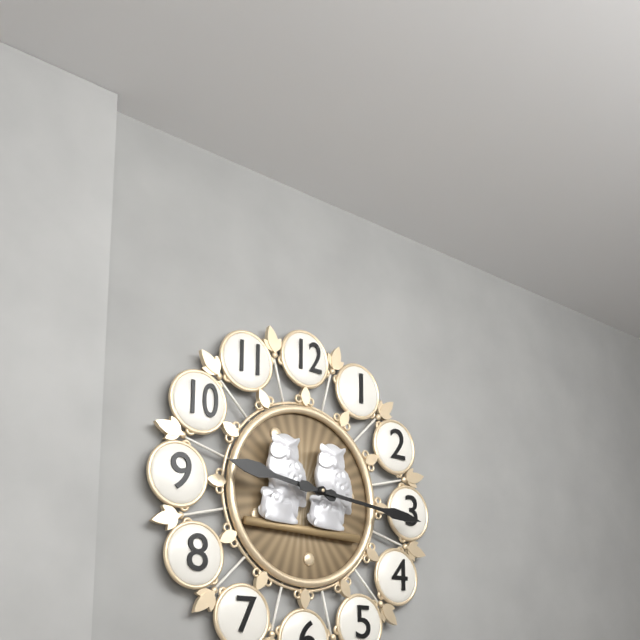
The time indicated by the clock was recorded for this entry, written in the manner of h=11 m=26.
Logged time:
h=9 m=16
